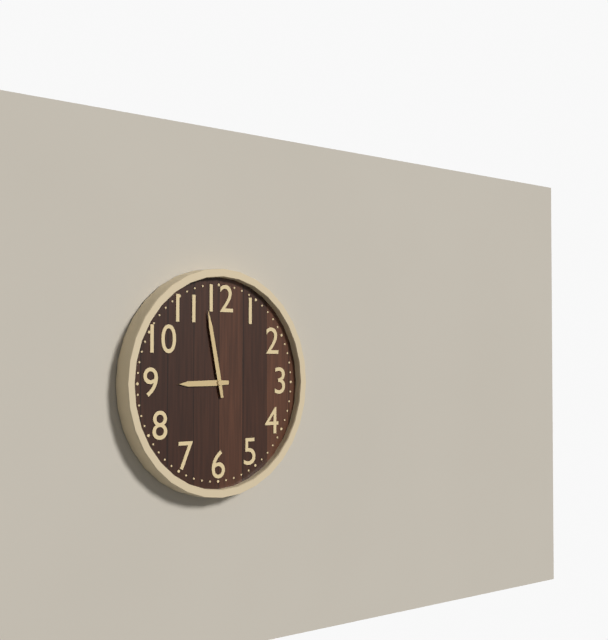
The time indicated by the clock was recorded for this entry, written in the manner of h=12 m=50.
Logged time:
h=8 m=58
